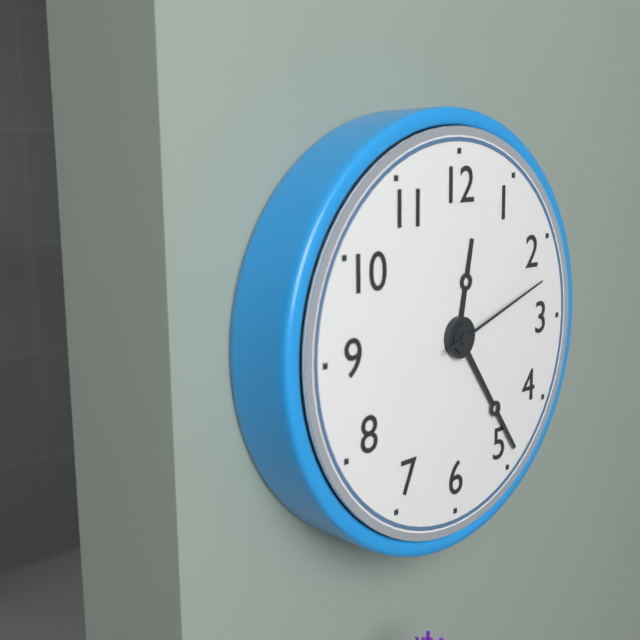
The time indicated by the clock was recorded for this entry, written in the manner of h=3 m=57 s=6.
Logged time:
h=12 m=24 s=12
